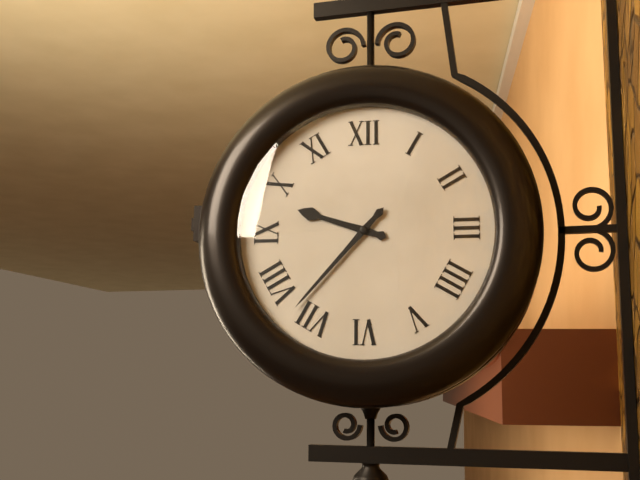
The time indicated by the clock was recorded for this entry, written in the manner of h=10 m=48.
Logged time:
h=9 m=37
